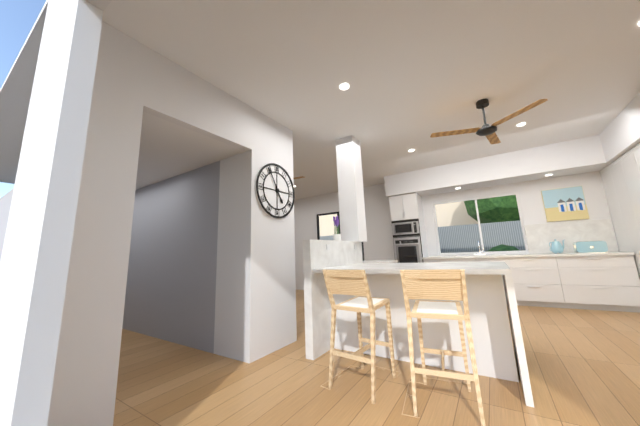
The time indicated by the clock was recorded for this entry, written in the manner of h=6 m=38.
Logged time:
h=4 m=55
